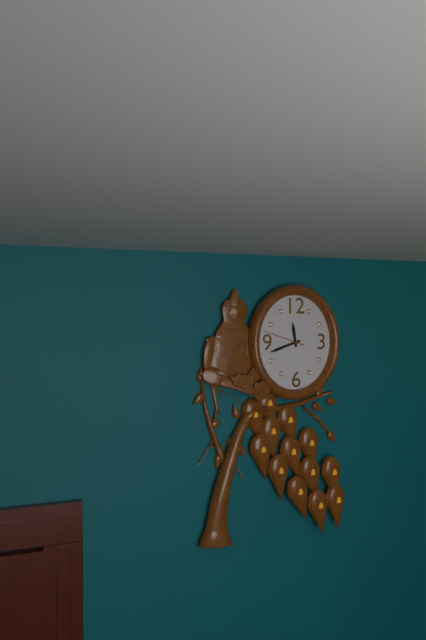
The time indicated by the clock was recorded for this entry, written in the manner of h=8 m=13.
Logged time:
h=11 m=42
